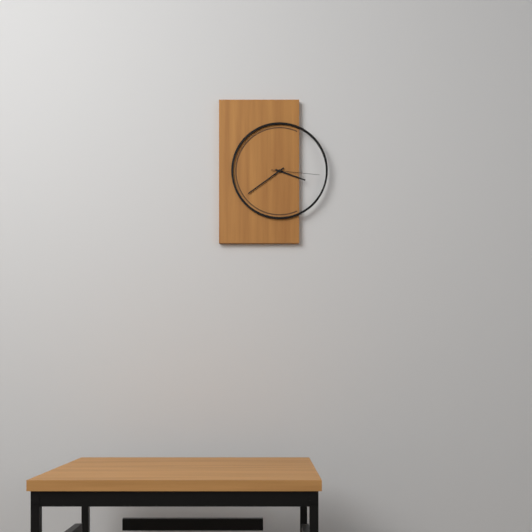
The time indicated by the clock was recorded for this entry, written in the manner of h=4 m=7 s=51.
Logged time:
h=3 m=39 s=16
